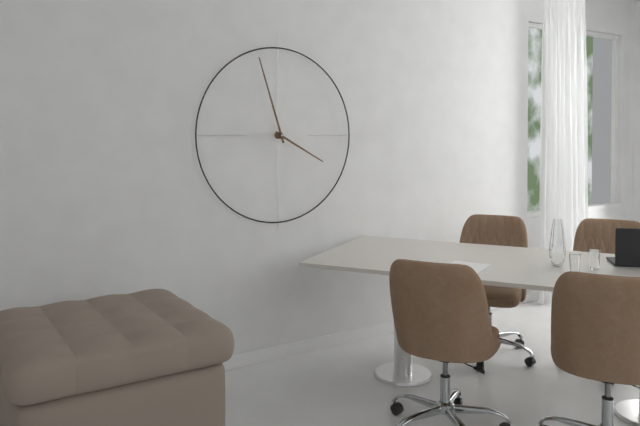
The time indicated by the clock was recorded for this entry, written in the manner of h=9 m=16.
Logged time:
h=3 m=57
